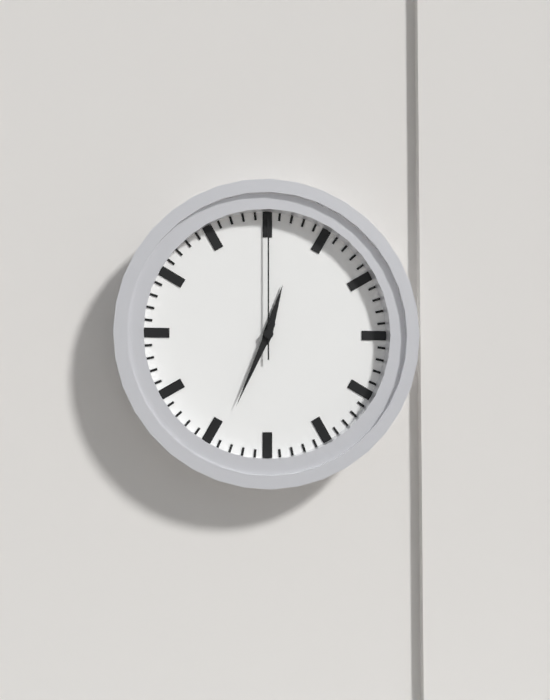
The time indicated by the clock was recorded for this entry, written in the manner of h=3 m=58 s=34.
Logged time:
h=12 m=34 s=0
